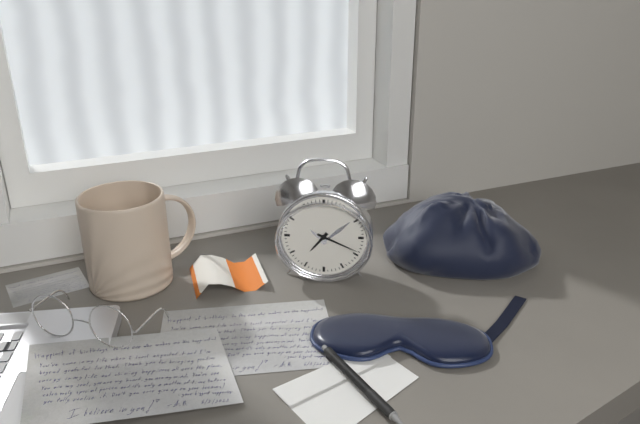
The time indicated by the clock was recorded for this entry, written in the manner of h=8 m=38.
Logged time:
h=7 m=19
